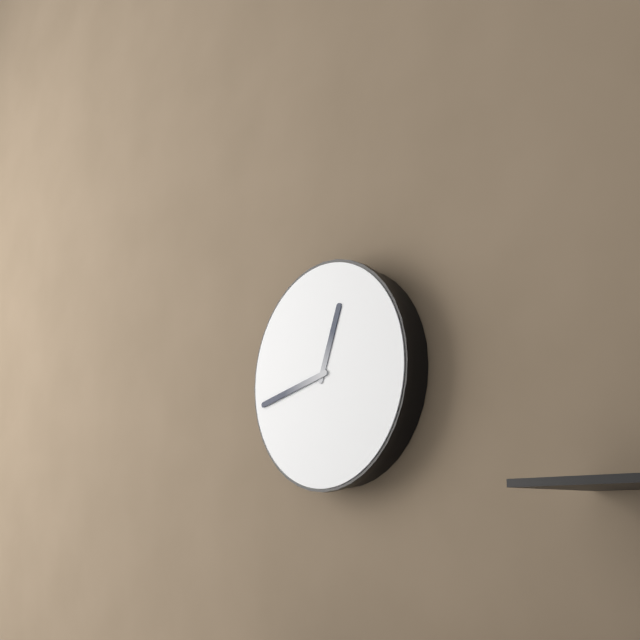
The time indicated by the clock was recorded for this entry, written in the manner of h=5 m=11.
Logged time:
h=12 m=43
